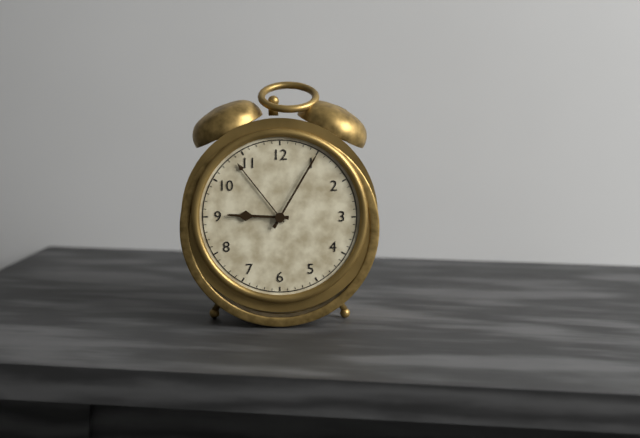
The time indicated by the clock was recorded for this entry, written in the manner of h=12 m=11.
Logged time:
h=9 m=5
